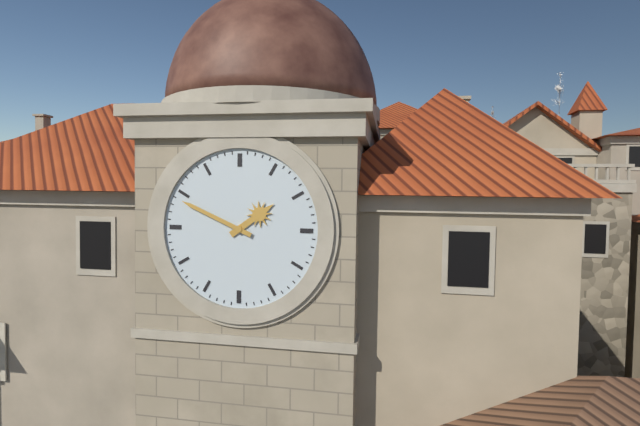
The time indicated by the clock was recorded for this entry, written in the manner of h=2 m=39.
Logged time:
h=1 m=49
